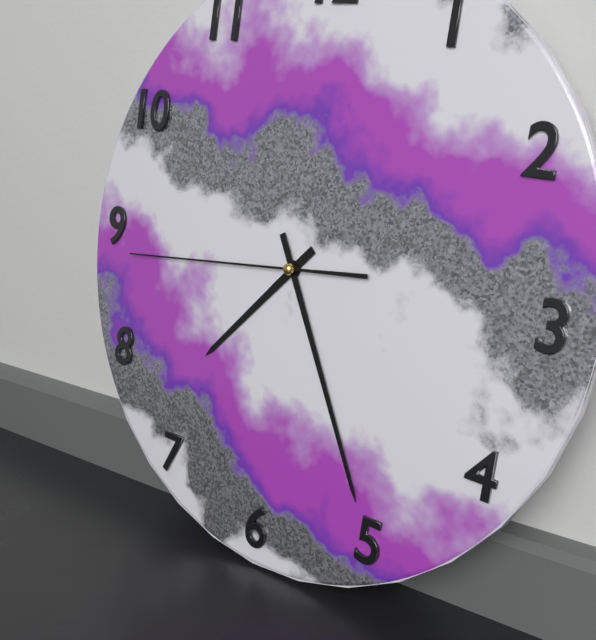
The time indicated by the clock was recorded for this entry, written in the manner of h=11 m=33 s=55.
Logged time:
h=7 m=25 s=44
